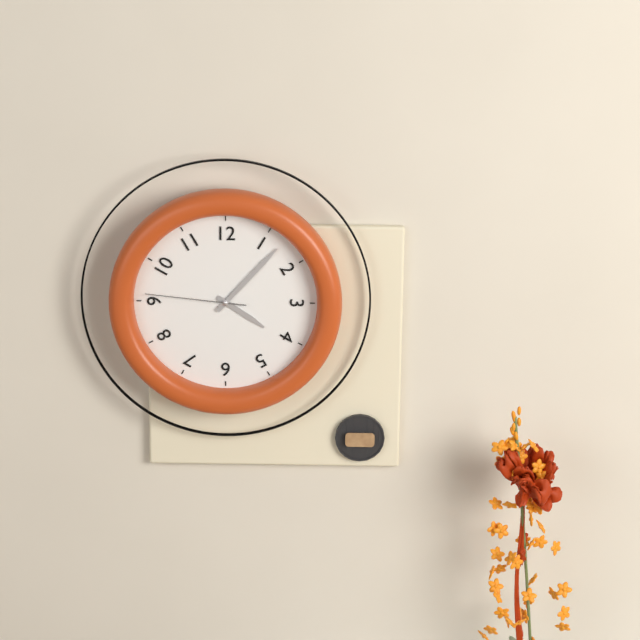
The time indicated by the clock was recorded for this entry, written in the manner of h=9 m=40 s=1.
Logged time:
h=4 m=7 s=46
